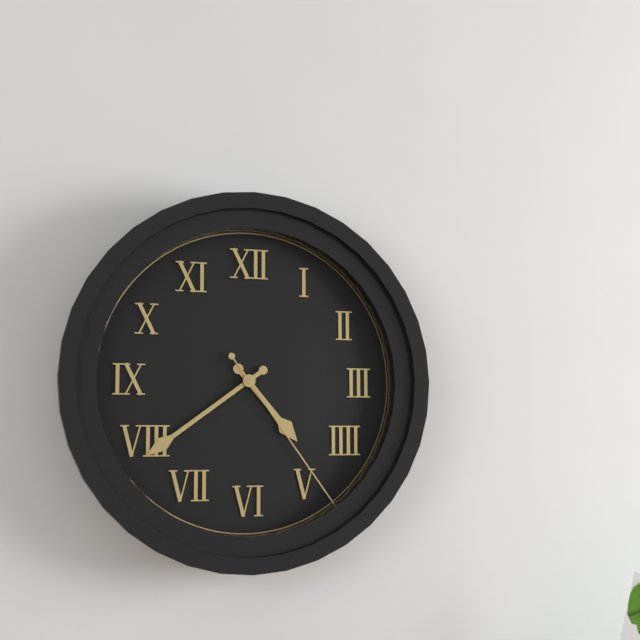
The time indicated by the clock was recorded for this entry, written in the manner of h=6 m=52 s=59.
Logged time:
h=4 m=39 s=24
